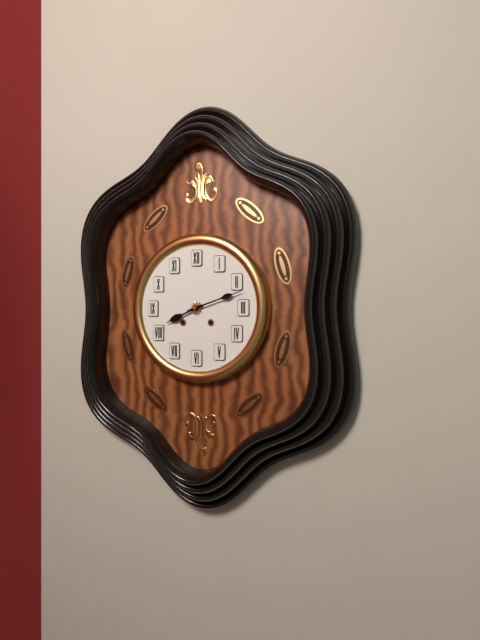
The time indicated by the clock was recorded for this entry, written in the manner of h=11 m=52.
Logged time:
h=8 m=12
